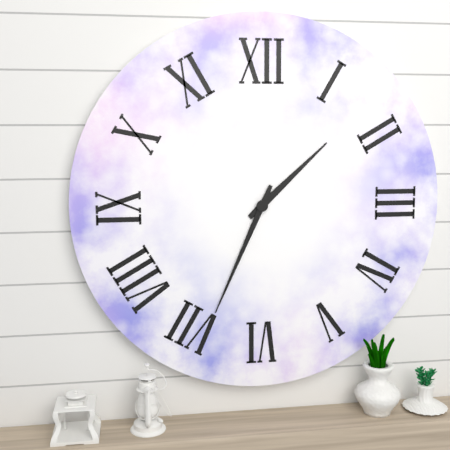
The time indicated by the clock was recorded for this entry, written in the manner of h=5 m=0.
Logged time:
h=1 m=34
